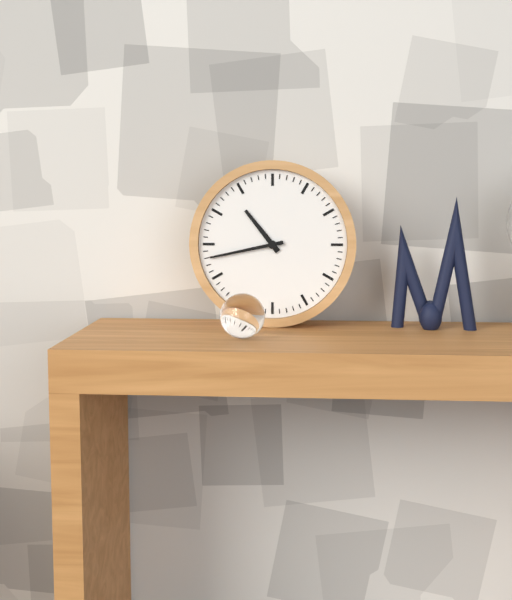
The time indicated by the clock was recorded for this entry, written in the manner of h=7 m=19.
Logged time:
h=10 m=43
